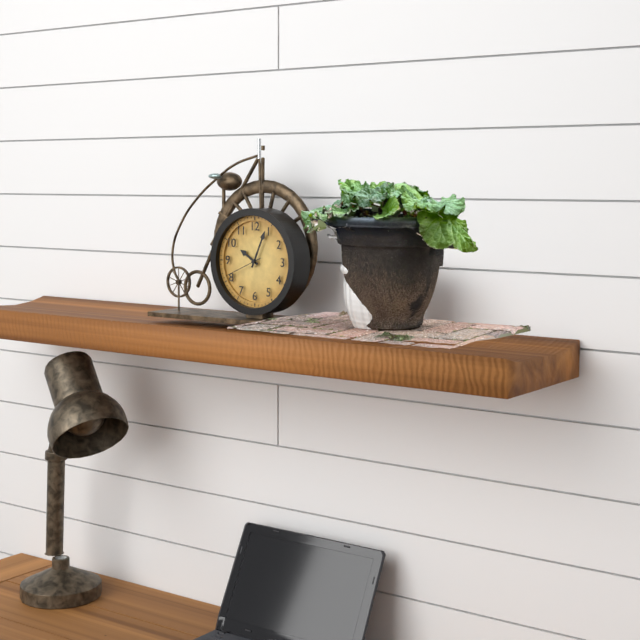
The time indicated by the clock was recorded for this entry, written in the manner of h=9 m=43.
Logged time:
h=10 m=4
